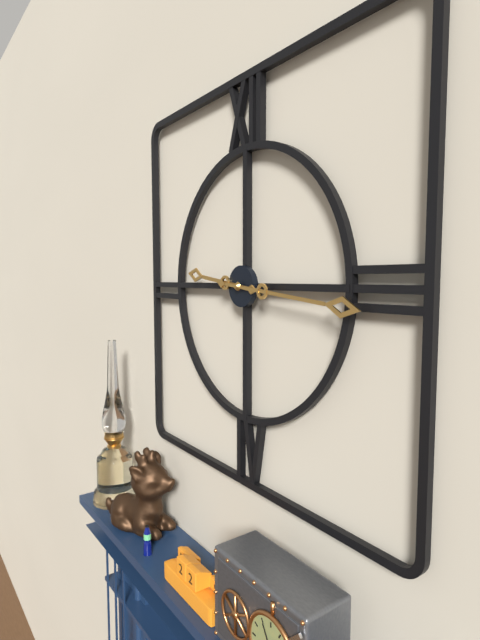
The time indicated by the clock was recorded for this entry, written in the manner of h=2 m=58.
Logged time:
h=9 m=16
